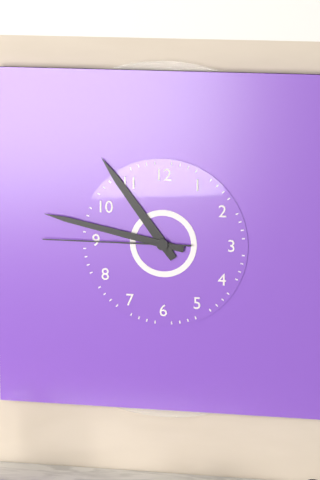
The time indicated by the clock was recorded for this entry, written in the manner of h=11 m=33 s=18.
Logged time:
h=10 m=47 s=45
